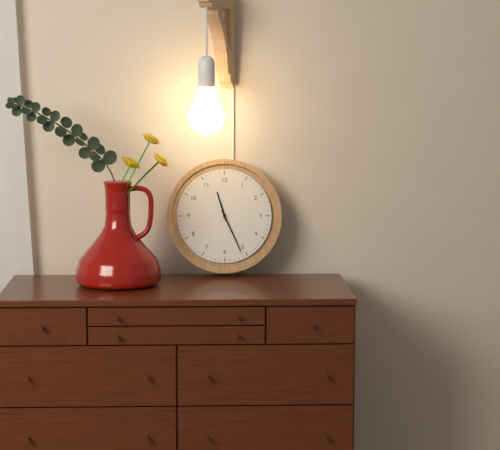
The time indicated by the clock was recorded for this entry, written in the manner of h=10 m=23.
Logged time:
h=11 m=26
